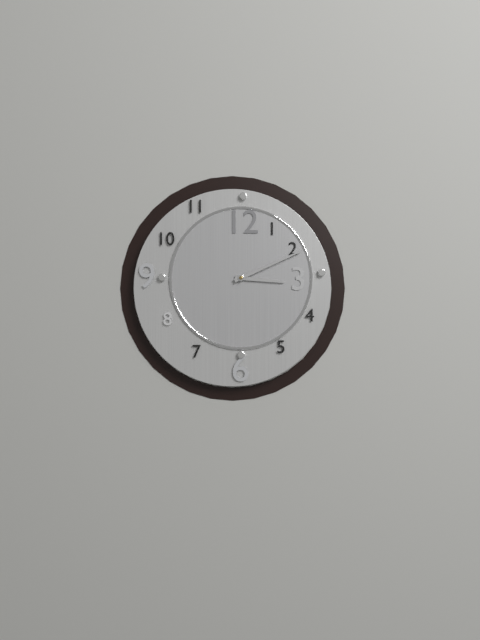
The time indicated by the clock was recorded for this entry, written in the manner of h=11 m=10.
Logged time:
h=3 m=11
